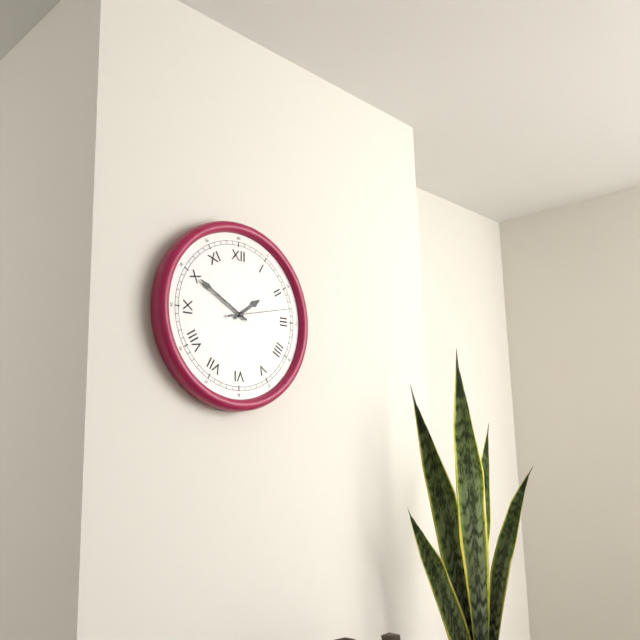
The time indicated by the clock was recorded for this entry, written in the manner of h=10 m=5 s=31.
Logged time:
h=1 m=50 s=13
